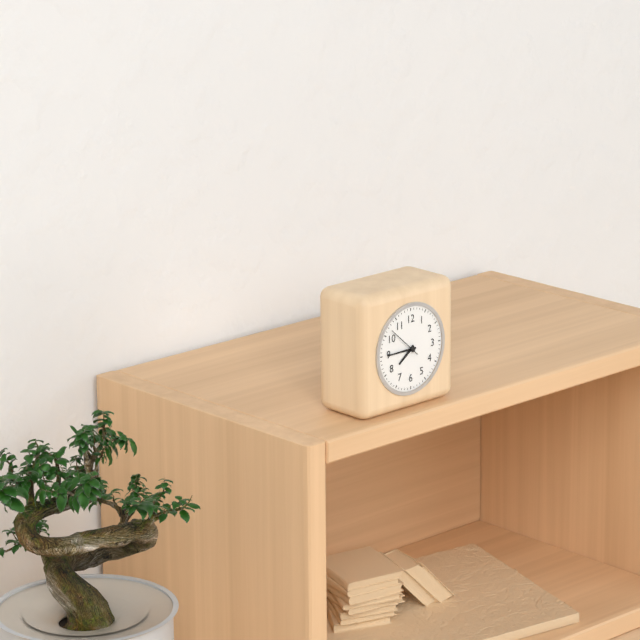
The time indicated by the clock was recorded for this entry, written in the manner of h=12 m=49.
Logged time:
h=7 m=45
